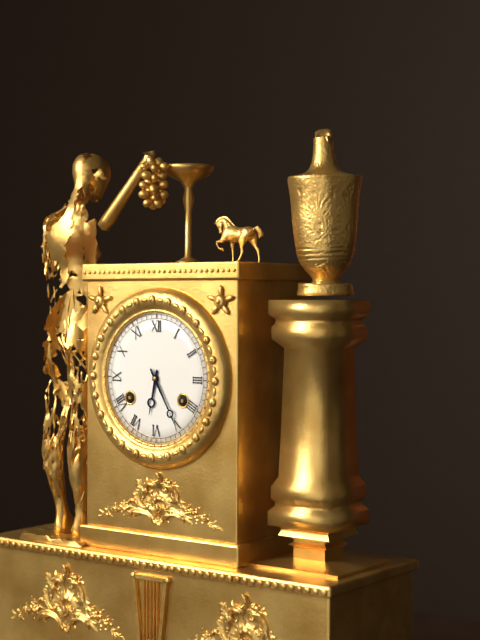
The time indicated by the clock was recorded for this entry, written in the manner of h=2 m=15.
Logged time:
h=6 m=25
